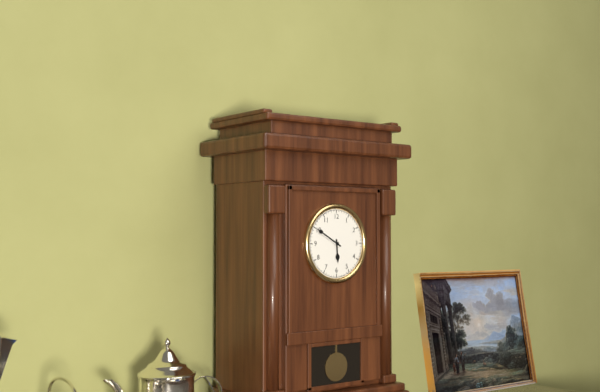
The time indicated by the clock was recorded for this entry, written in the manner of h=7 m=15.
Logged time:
h=5 m=50
